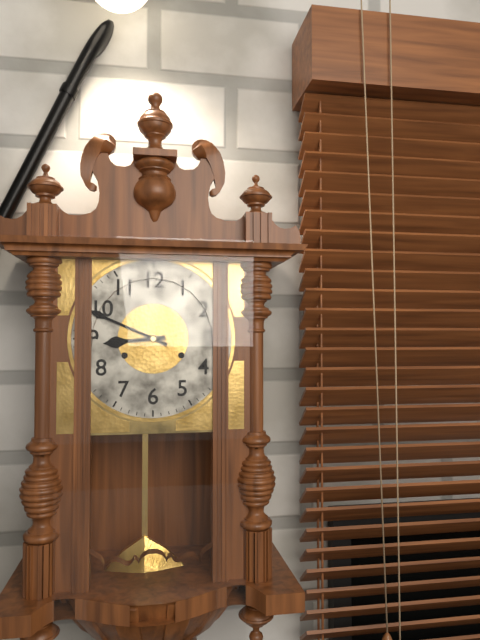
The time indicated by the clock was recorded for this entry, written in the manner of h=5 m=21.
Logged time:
h=8 m=49
